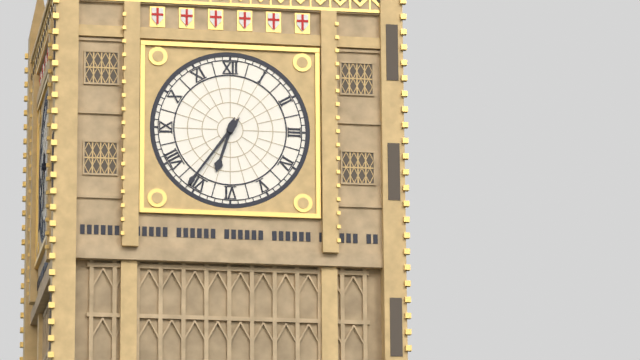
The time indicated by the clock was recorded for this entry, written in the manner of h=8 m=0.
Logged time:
h=6 m=36
